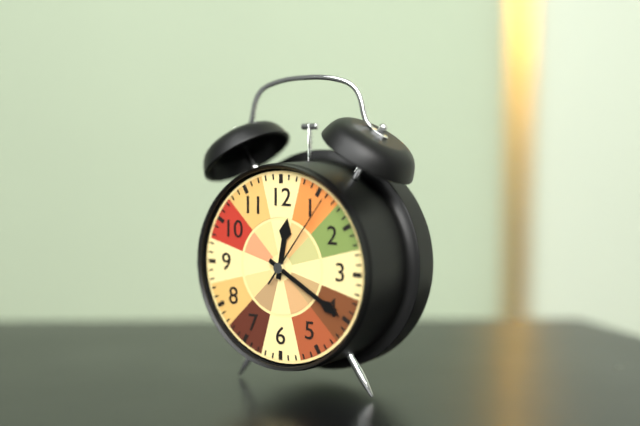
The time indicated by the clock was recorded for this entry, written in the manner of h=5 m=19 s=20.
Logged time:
h=12 m=20 s=6
